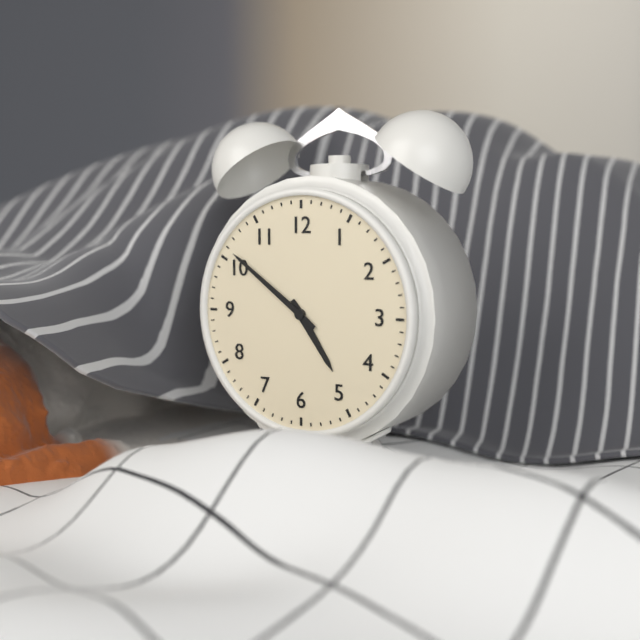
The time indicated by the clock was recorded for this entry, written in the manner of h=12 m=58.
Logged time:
h=4 m=51
